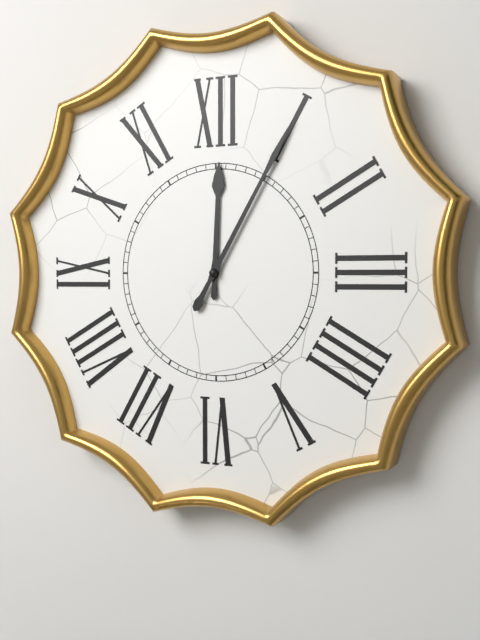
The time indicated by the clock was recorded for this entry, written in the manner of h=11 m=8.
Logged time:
h=12 m=5
